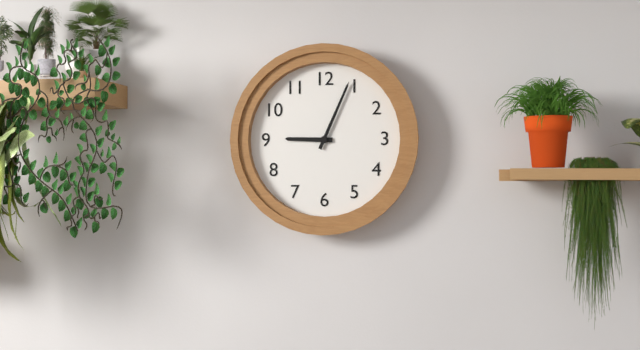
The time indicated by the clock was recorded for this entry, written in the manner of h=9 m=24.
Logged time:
h=9 m=4
